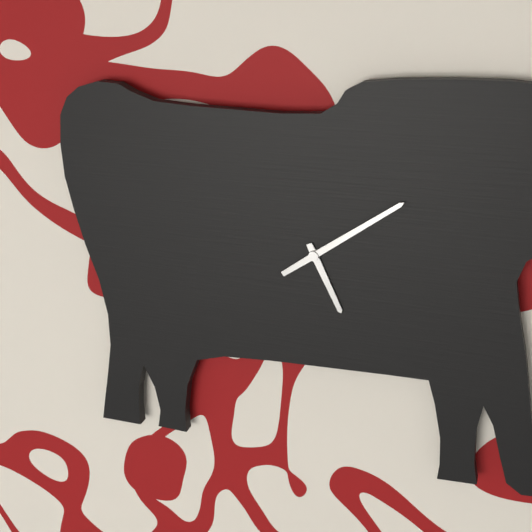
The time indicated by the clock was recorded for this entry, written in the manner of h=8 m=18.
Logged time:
h=5 m=9
